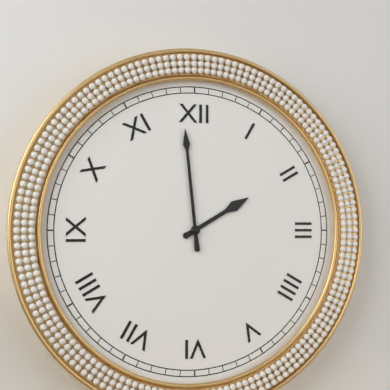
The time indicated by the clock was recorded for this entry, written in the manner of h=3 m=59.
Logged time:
h=1 m=59
